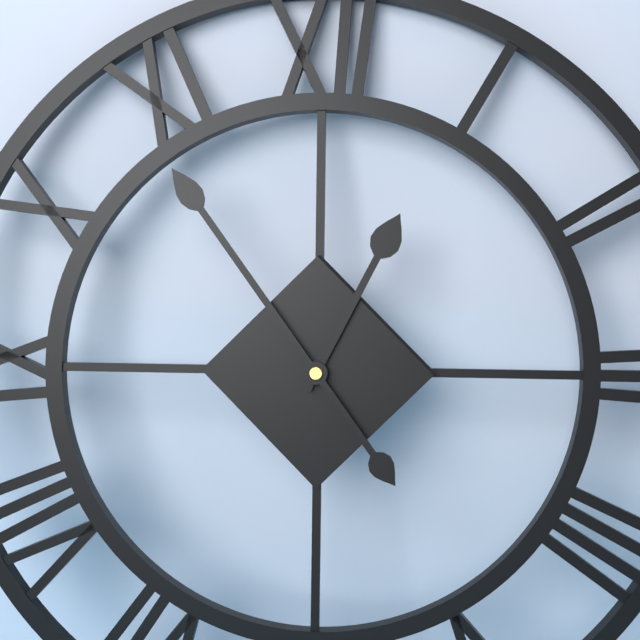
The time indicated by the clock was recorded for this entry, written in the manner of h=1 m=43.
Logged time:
h=12 m=54
